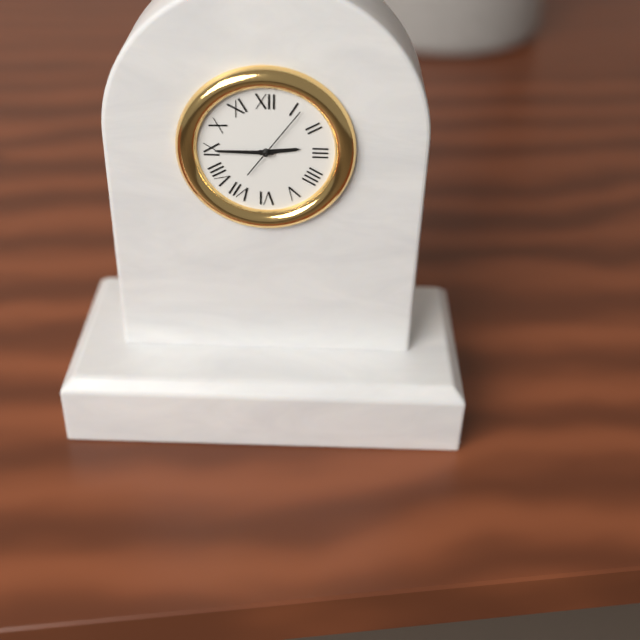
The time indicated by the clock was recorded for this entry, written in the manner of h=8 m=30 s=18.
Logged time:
h=2 m=45 s=6
